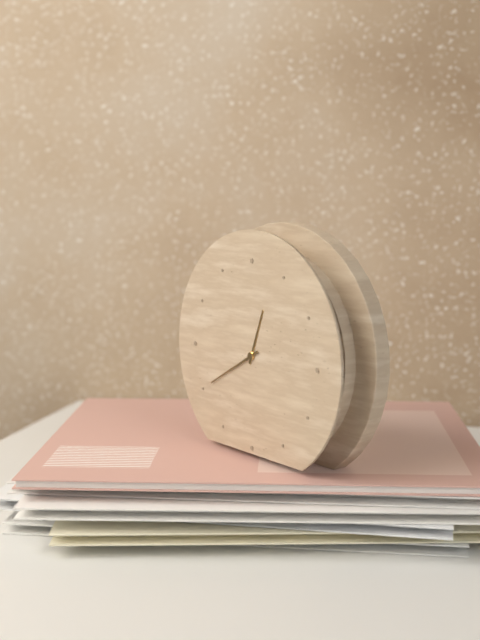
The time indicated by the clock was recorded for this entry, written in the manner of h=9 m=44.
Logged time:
h=12 m=40
